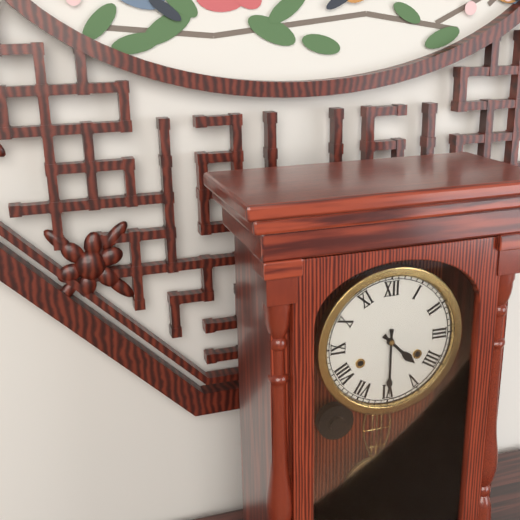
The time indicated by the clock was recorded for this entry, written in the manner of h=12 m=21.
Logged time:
h=4 m=30
